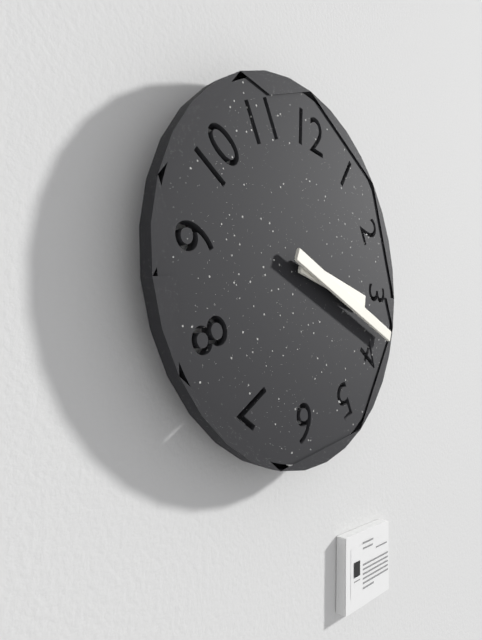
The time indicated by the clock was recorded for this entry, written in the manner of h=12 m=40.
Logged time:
h=3 m=18
